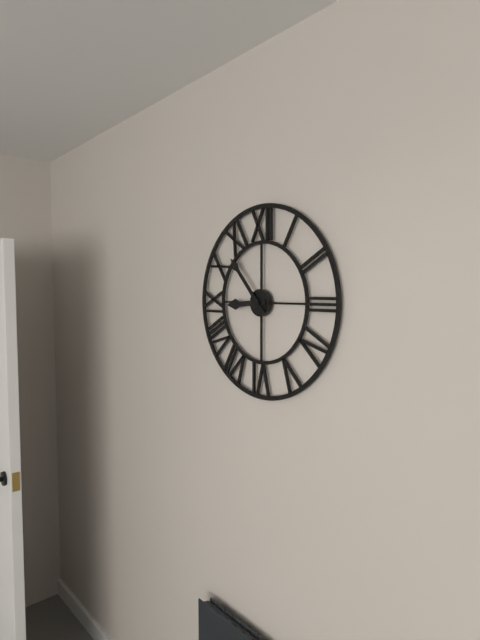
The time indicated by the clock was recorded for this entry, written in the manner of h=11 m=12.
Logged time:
h=8 m=53
